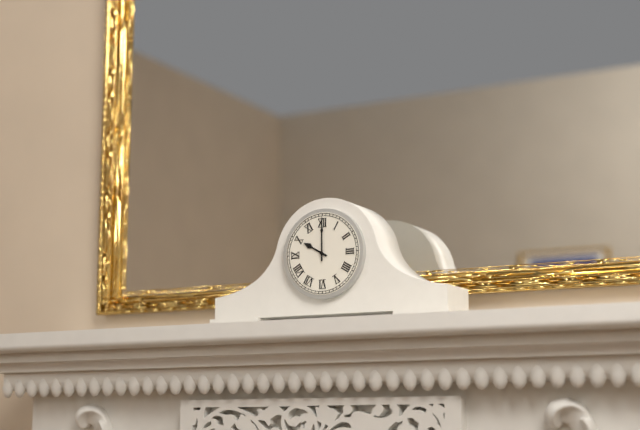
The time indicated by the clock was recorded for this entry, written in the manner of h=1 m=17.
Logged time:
h=10 m=0
